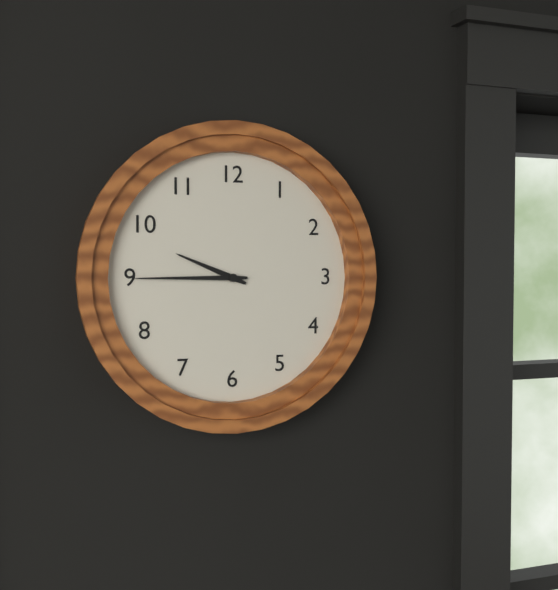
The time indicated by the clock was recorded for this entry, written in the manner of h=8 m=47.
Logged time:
h=9 m=45
